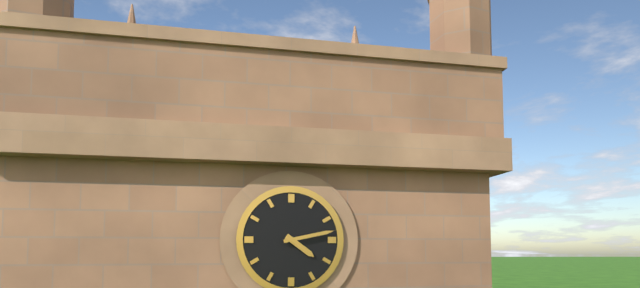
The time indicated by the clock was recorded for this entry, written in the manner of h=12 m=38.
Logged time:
h=4 m=13
